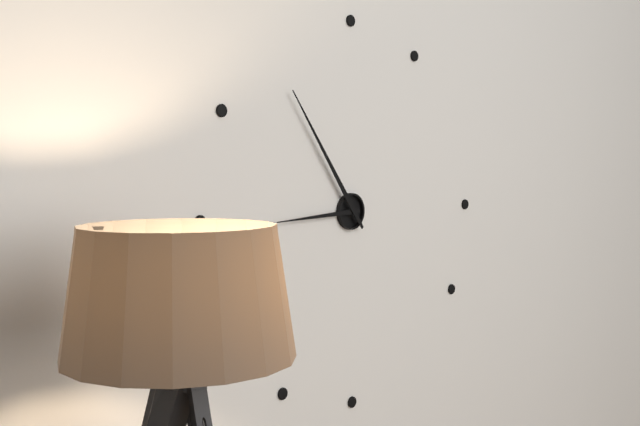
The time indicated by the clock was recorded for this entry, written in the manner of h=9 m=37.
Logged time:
h=8 m=54
